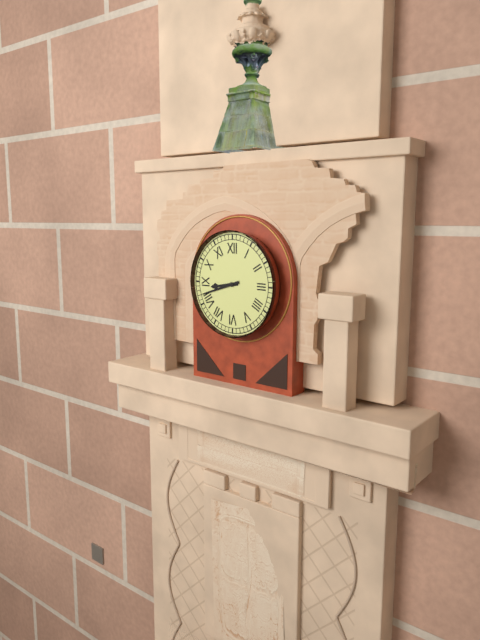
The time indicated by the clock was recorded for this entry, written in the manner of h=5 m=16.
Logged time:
h=8 m=42
